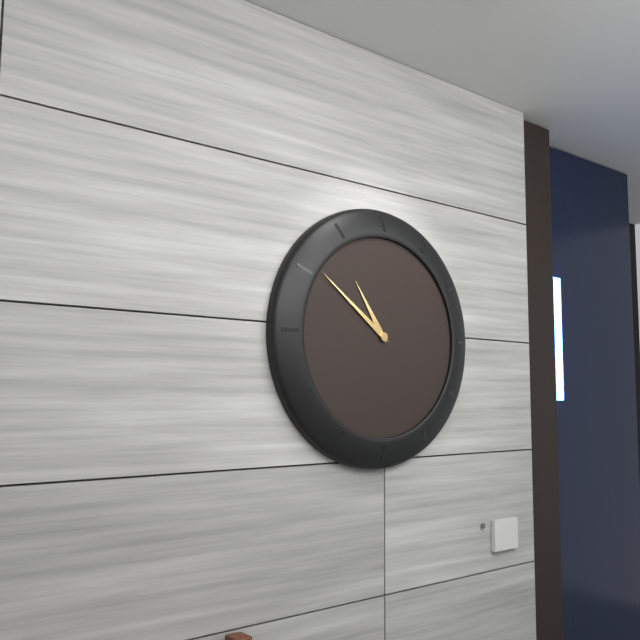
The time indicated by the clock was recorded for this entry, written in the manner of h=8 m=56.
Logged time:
h=10 m=51
